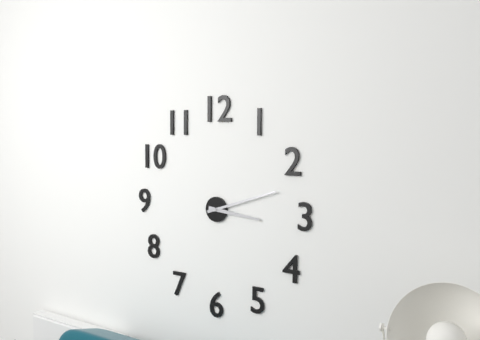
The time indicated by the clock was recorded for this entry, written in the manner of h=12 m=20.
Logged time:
h=3 m=12
